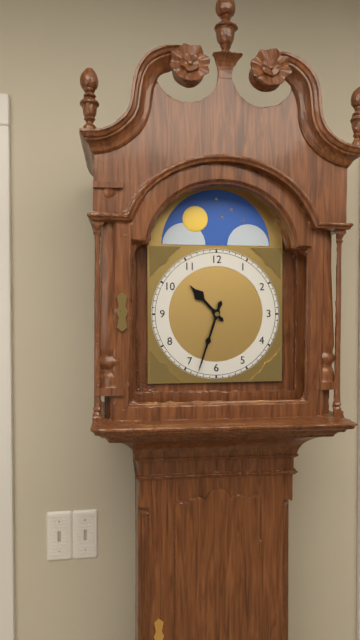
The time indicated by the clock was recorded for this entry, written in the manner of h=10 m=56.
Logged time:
h=10 m=33
